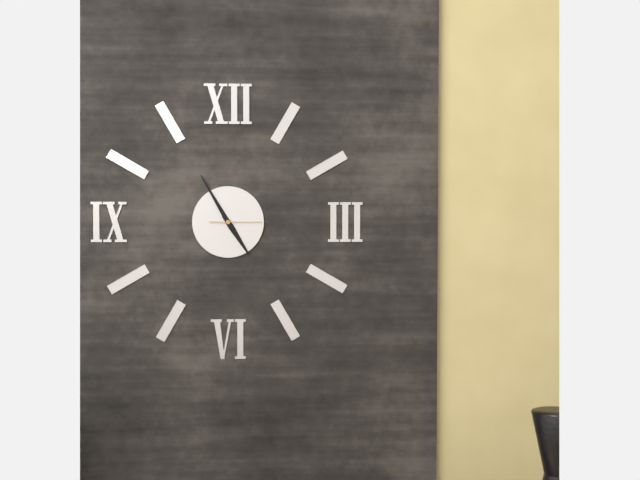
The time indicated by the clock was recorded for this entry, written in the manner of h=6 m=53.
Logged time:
h=4 m=55
